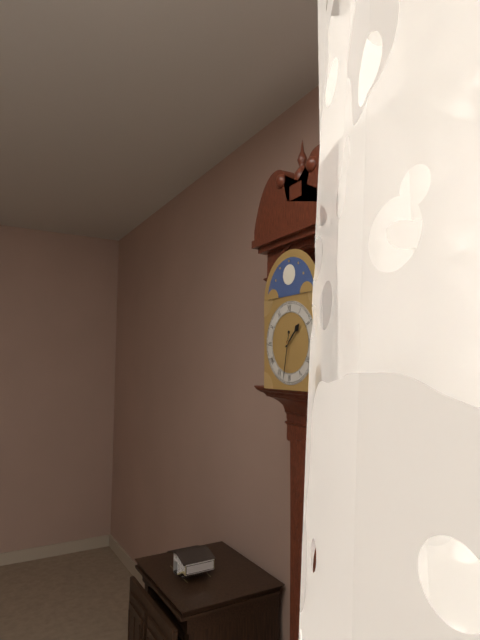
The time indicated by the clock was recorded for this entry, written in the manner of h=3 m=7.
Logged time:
h=1 m=32
